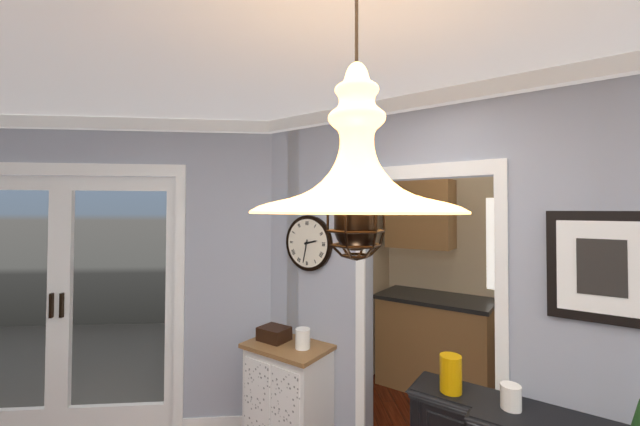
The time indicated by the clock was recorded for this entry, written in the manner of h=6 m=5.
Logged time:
h=2 m=32
